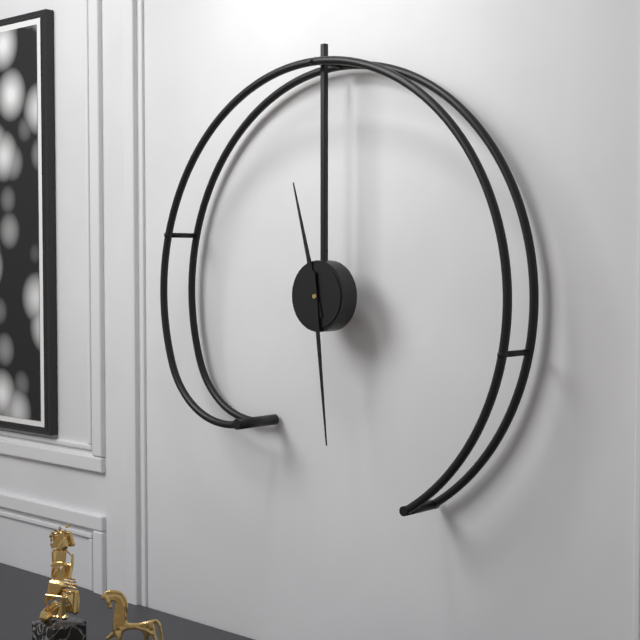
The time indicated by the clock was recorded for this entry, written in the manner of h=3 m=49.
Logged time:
h=11 m=29
